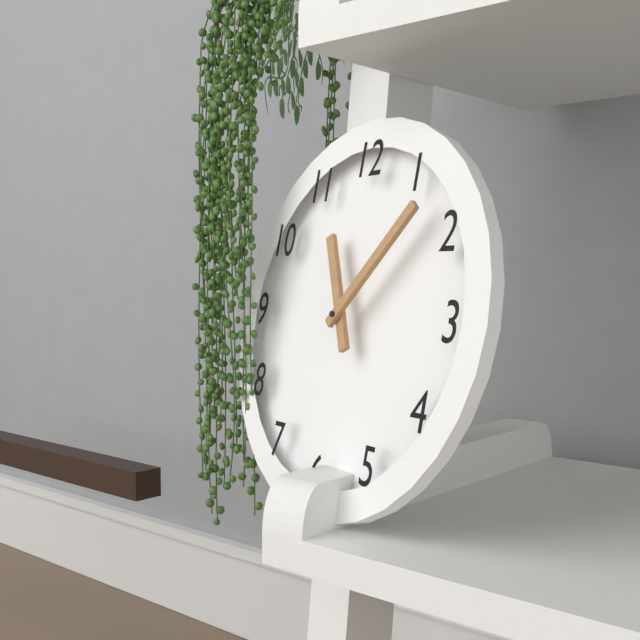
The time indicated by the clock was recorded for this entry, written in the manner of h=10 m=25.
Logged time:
h=11 m=7
